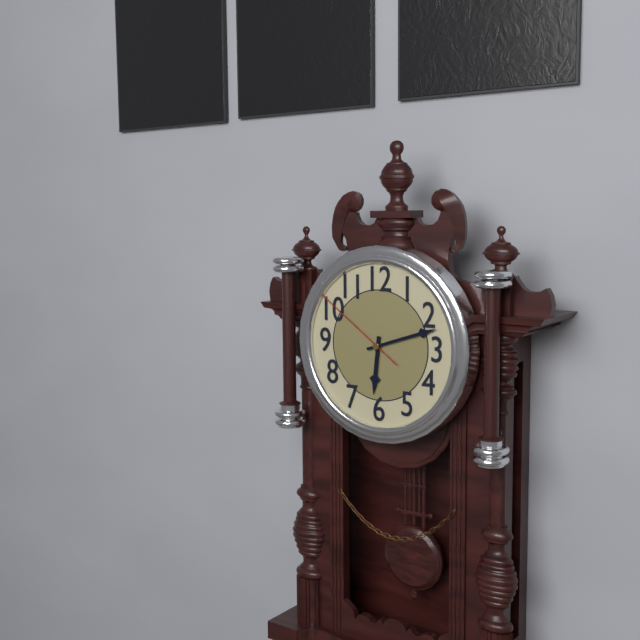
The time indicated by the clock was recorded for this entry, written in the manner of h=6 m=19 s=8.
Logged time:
h=6 m=12 s=51
